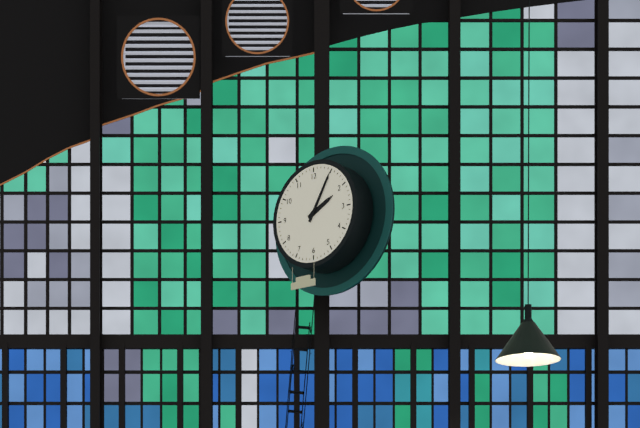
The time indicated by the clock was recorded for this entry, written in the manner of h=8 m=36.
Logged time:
h=2 m=5
